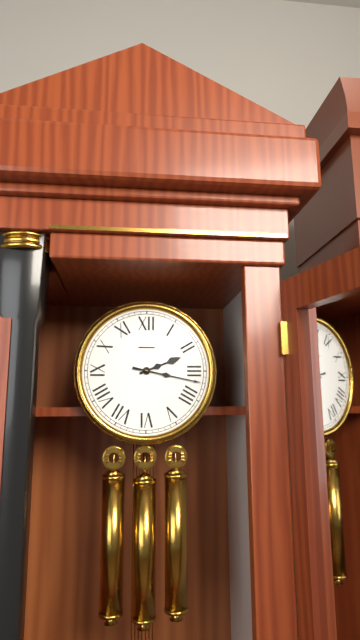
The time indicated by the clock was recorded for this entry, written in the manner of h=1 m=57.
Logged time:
h=2 m=17
